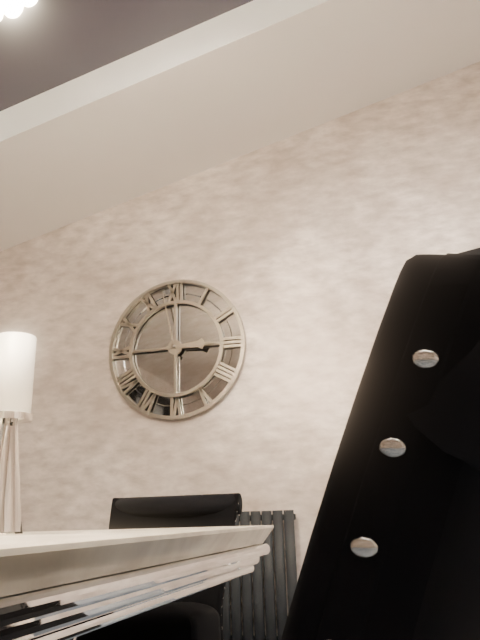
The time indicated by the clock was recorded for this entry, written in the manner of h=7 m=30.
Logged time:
h=2 m=58
